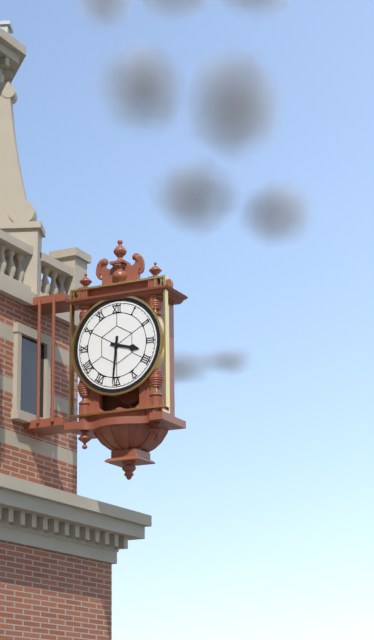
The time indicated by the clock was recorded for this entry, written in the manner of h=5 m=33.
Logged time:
h=3 m=31
